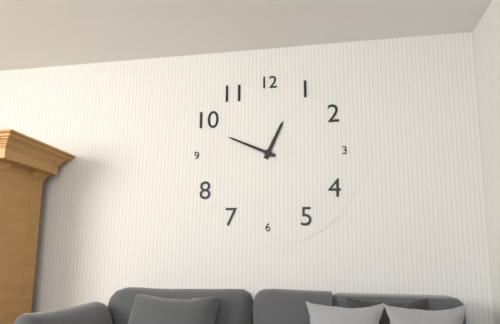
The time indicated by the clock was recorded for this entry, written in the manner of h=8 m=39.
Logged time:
h=12 m=49
